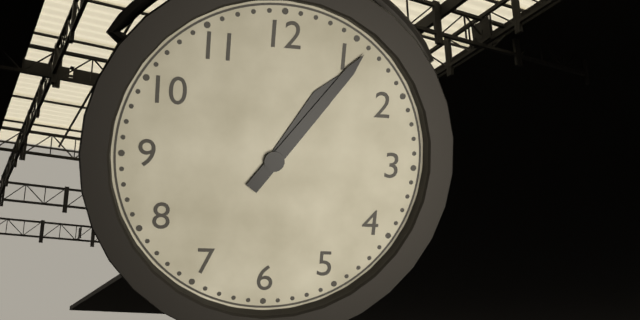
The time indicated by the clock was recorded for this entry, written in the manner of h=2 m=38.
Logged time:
h=1 m=6
